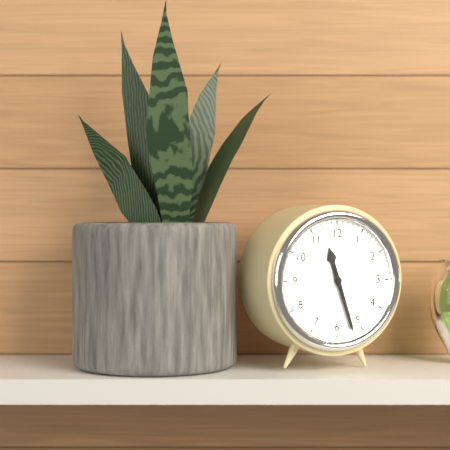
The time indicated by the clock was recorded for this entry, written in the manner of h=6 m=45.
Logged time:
h=11 m=27
